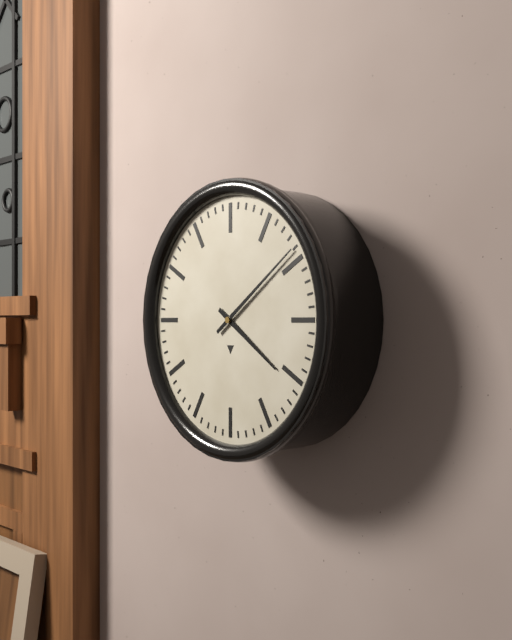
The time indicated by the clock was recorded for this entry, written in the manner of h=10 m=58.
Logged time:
h=4 m=9
